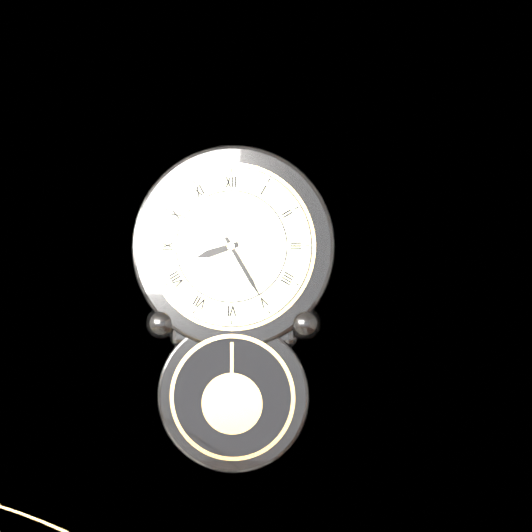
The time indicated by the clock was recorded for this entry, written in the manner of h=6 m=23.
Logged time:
h=8 m=25
